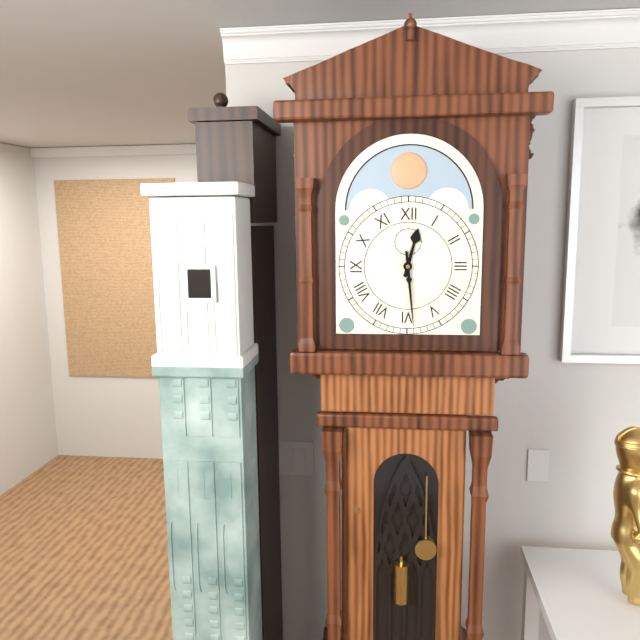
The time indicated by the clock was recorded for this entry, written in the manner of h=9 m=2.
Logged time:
h=12 m=29
